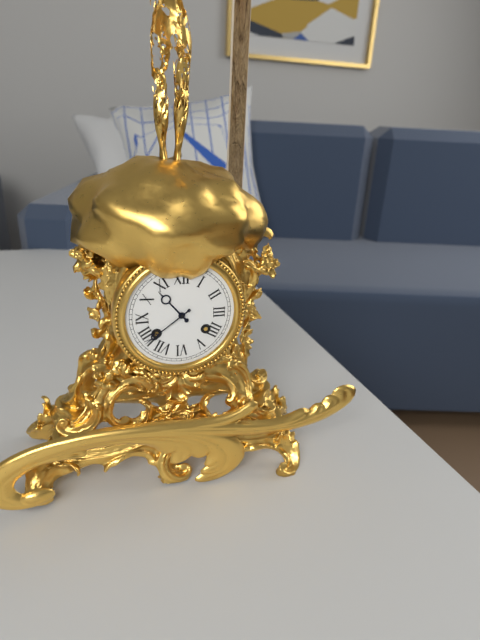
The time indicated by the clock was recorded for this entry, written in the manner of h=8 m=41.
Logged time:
h=10 m=39
